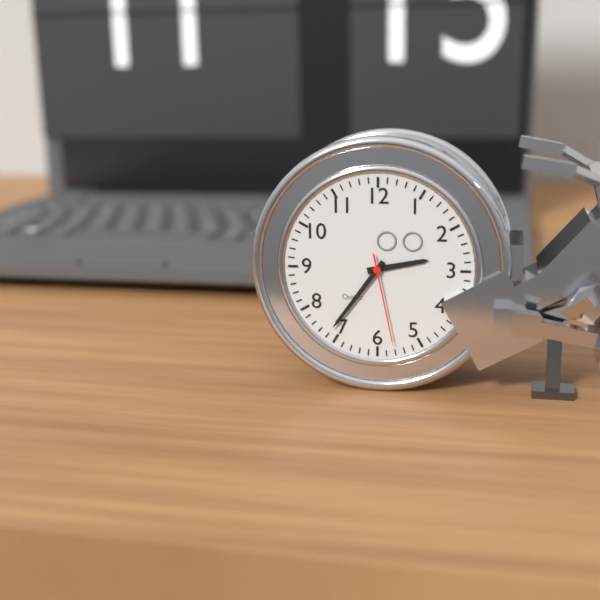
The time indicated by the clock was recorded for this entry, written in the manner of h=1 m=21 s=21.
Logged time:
h=2 m=36 s=28
